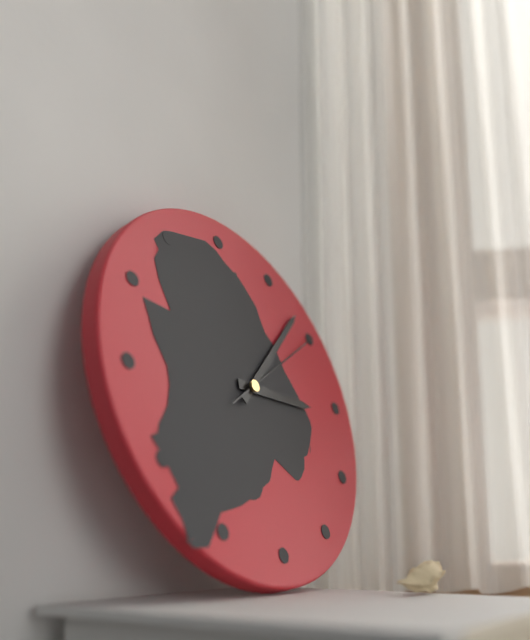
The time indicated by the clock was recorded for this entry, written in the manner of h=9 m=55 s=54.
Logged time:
h=3 m=8 s=10
